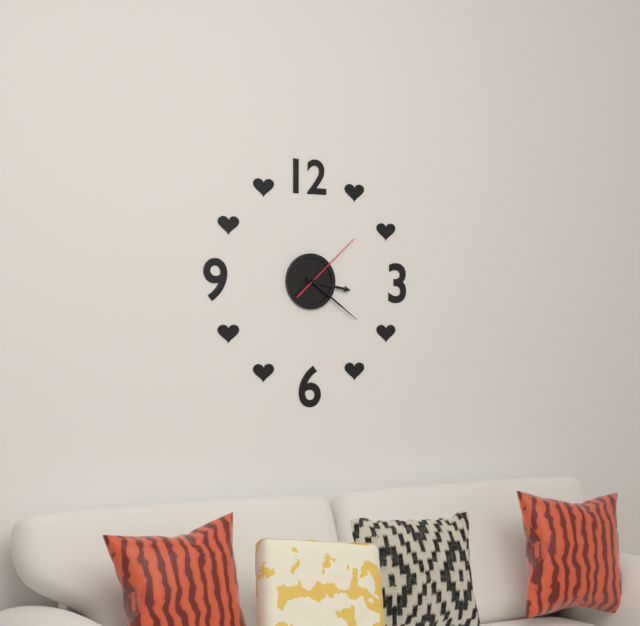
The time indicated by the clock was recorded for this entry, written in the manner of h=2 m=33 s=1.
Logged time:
h=3 m=21 s=8
